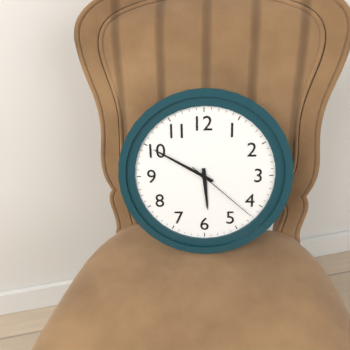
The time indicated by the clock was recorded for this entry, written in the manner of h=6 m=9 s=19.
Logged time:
h=5 m=50 s=22
